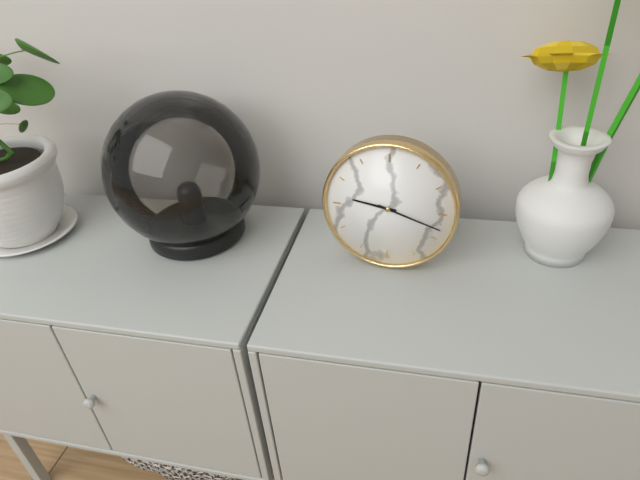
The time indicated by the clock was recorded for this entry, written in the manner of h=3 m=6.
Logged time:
h=9 m=18
